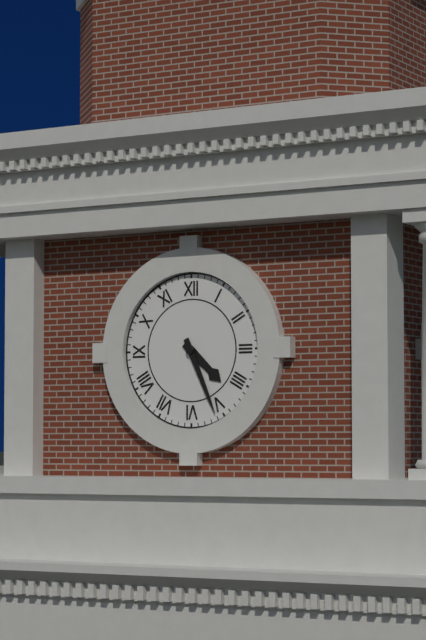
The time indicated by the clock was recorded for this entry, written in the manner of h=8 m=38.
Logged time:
h=4 m=26
